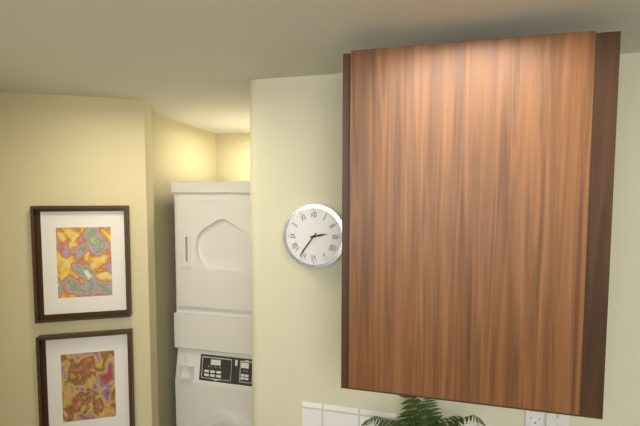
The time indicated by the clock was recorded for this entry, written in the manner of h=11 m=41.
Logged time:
h=2 m=36
